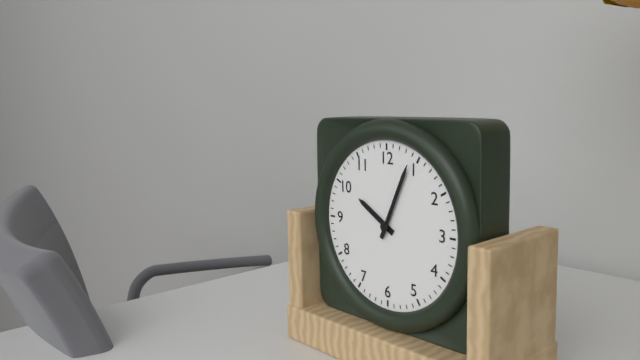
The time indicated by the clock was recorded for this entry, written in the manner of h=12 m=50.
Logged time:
h=10 m=4
